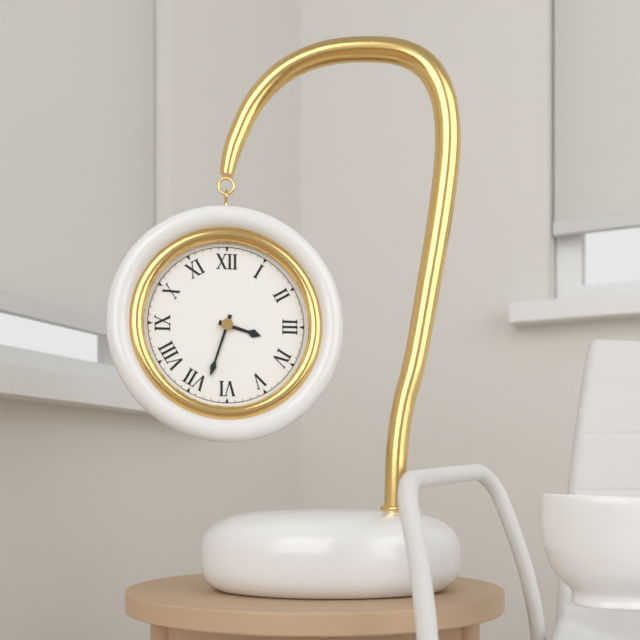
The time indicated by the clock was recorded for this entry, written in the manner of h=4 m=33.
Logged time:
h=3 m=33
